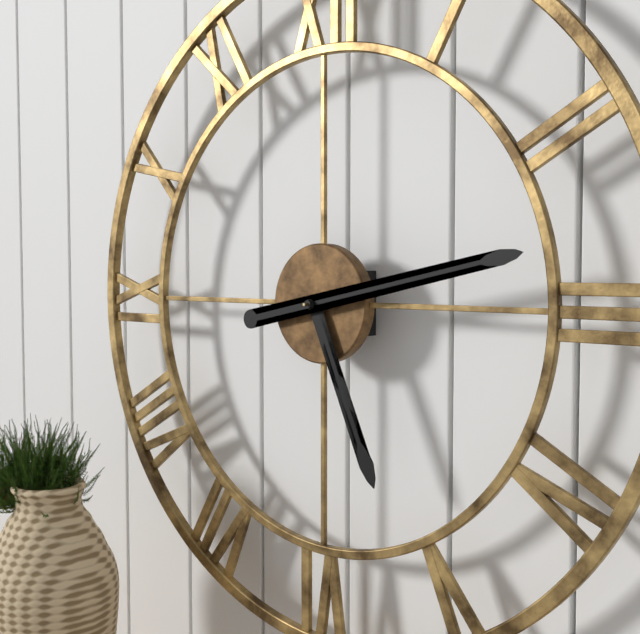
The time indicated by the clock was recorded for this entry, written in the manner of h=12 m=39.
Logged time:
h=5 m=13
